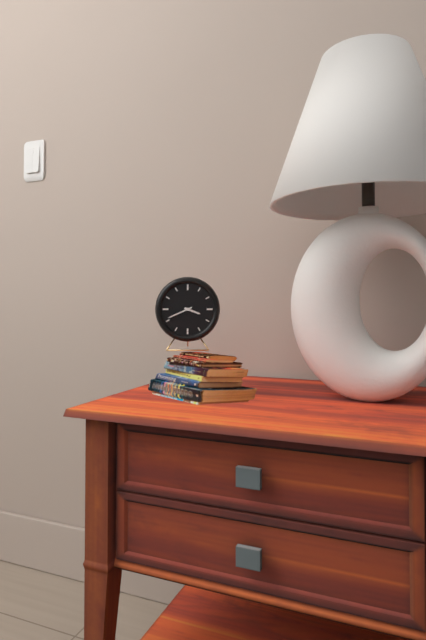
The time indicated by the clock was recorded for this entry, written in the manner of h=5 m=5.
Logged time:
h=3 m=41
